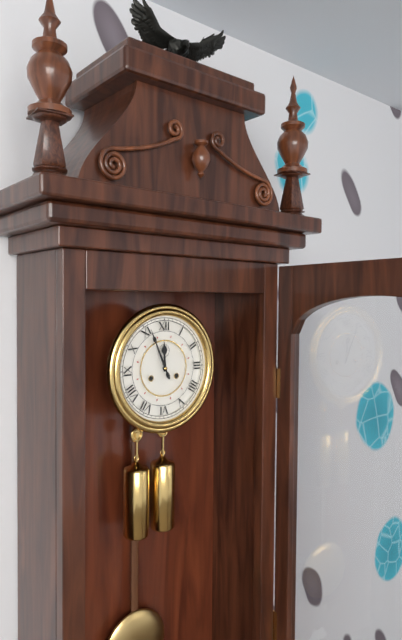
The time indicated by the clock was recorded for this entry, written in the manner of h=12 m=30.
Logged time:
h=11 m=56
